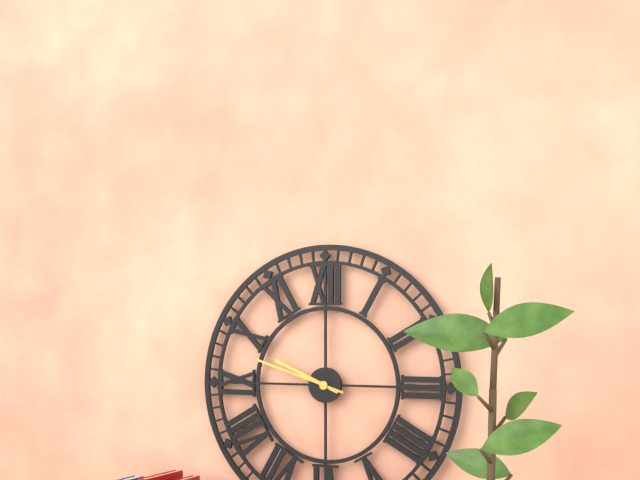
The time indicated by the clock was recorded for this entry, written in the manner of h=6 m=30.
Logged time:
h=9 m=48
